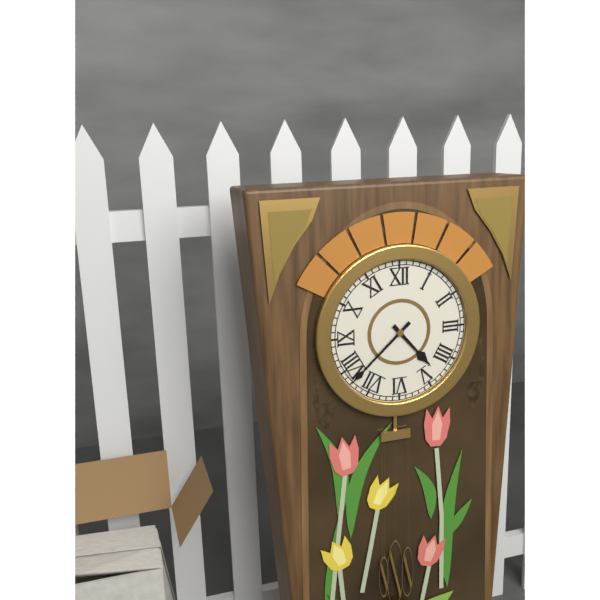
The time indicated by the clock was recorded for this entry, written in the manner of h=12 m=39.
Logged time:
h=4 m=38
